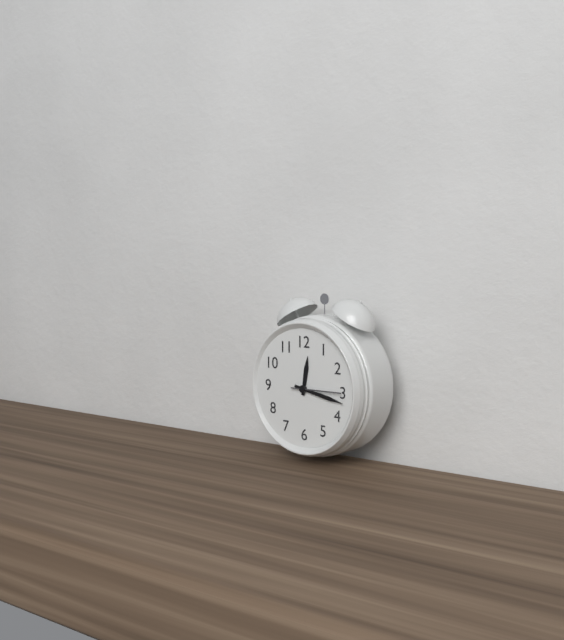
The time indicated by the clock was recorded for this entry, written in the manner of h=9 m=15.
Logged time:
h=12 m=17
